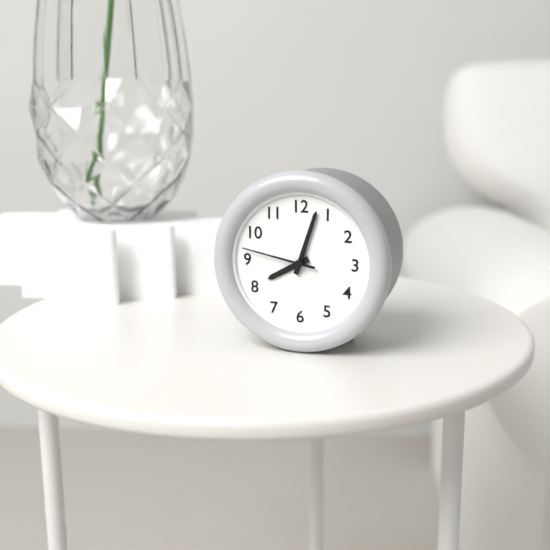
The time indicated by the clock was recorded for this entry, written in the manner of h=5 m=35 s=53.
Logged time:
h=8 m=3 s=47
